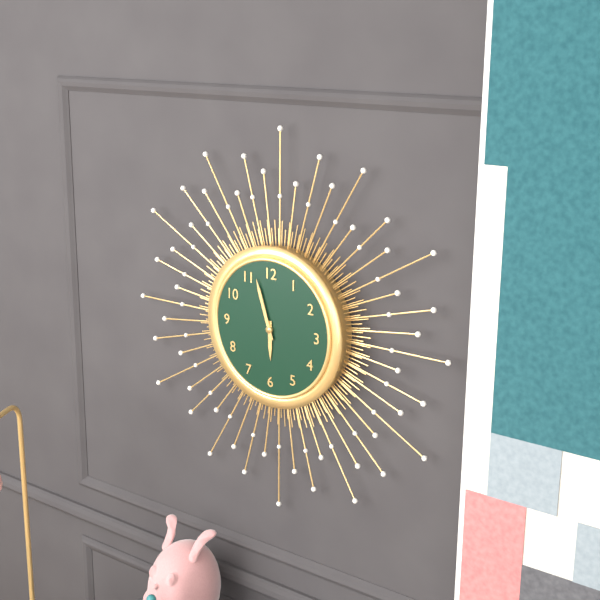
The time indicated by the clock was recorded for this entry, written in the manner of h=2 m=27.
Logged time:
h=5 m=57
